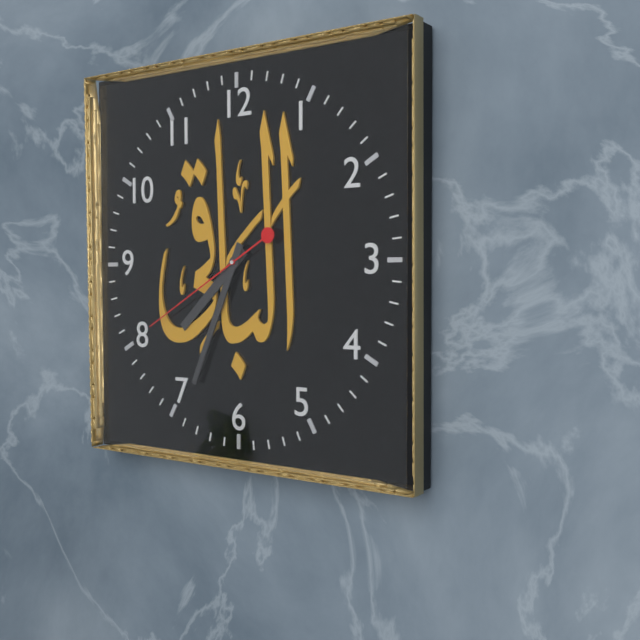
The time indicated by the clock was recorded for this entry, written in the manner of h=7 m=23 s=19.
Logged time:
h=7 m=34 s=40
